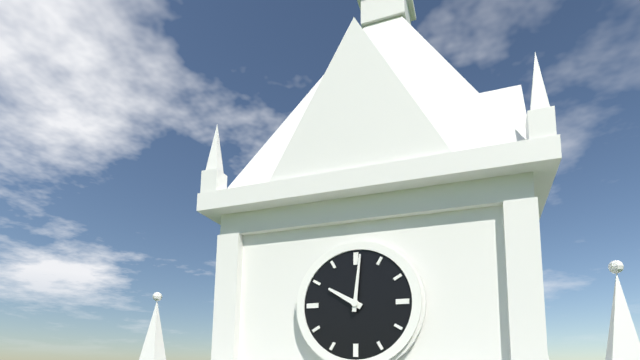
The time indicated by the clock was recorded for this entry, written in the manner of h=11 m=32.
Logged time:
h=10 m=1
